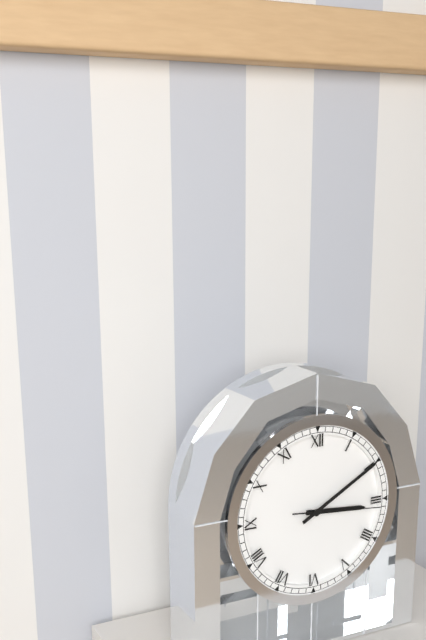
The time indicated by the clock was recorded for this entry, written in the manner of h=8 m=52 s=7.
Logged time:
h=3 m=10 s=16
